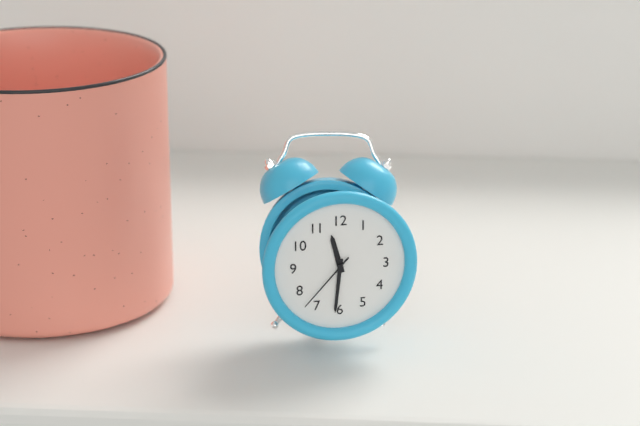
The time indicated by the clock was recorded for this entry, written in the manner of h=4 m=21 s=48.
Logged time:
h=11 m=31 s=37
